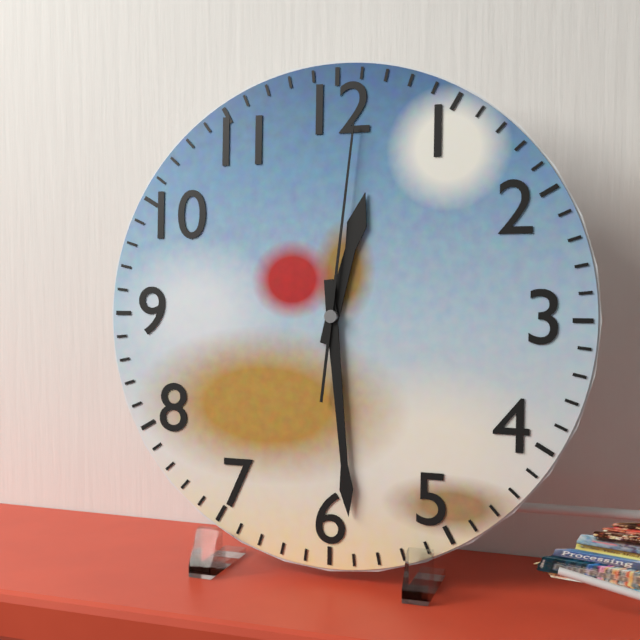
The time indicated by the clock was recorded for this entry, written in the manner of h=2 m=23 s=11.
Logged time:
h=12 m=29 s=1
